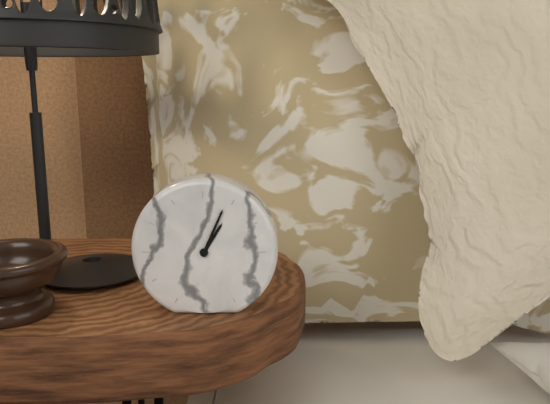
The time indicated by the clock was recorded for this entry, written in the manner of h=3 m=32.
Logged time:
h=1 m=4
